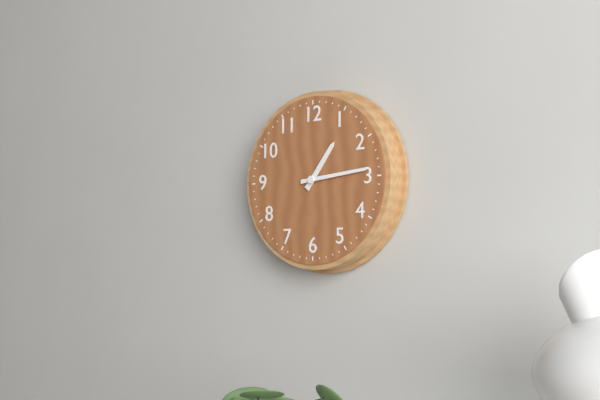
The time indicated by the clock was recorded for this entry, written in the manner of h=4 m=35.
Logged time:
h=1 m=14
